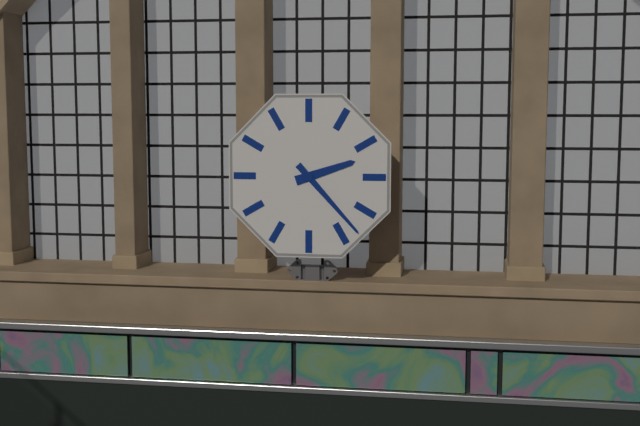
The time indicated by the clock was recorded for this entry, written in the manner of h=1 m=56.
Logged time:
h=2 m=23
